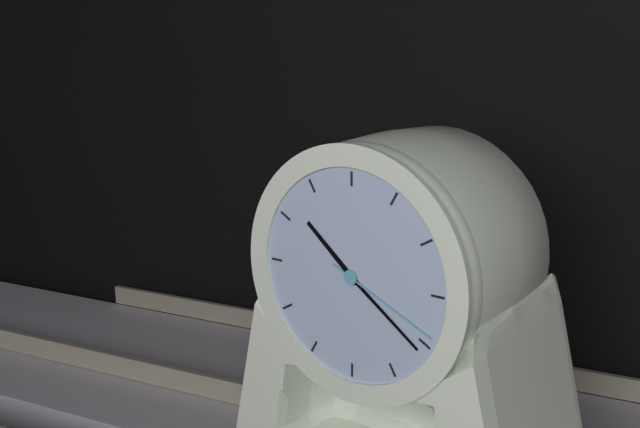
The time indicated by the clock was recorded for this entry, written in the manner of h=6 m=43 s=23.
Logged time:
h=10 m=21 s=19
